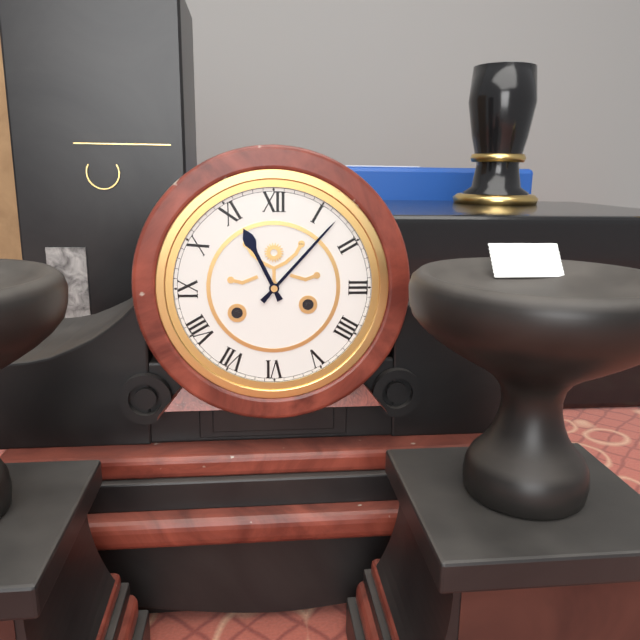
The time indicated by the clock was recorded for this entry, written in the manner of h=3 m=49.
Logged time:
h=11 m=7
